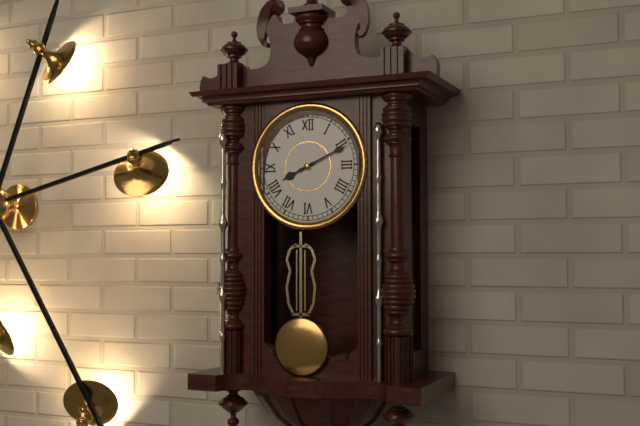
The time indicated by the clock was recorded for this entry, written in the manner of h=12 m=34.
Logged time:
h=8 m=11
